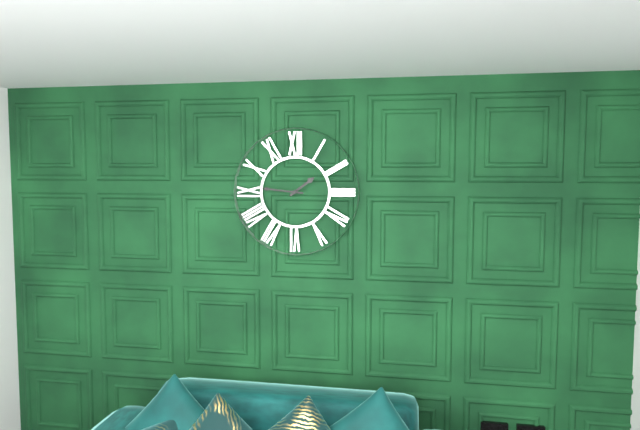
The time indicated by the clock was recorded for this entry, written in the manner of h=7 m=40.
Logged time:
h=1 m=46
